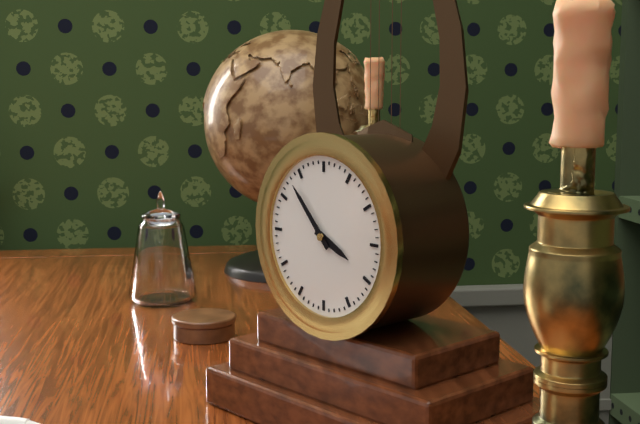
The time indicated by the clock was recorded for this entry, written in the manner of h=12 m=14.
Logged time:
h=3 m=53
